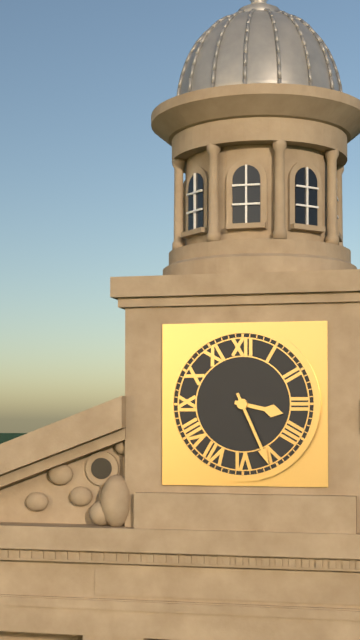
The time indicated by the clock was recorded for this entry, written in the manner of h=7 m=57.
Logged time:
h=3 m=26
